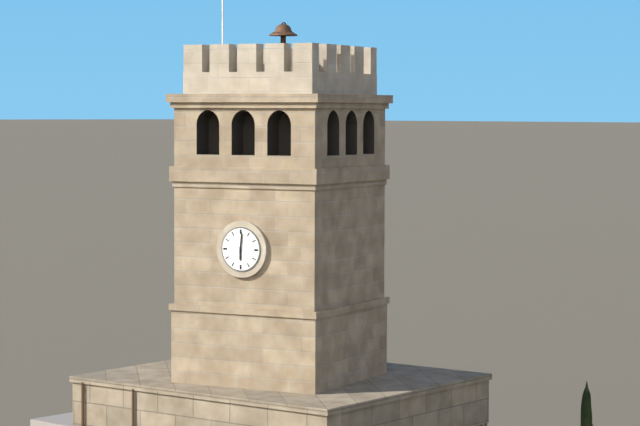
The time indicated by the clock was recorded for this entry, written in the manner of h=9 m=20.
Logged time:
h=6 m=1
